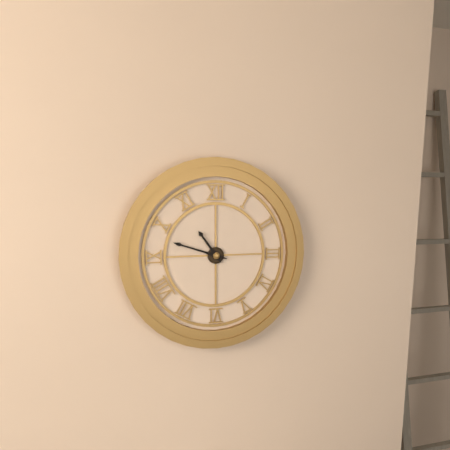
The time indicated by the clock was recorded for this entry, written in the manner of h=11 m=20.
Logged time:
h=10 m=48
